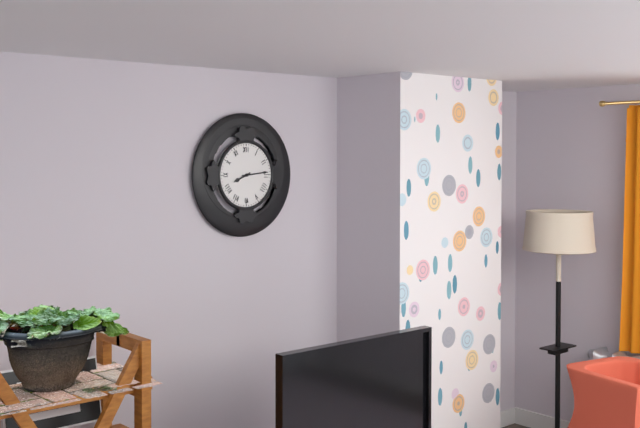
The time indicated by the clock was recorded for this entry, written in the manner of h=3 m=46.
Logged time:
h=8 m=14
